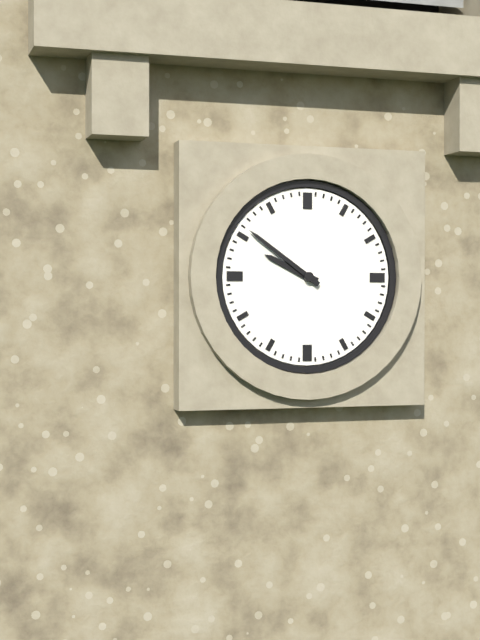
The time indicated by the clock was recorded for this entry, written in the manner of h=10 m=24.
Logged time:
h=9 m=51
